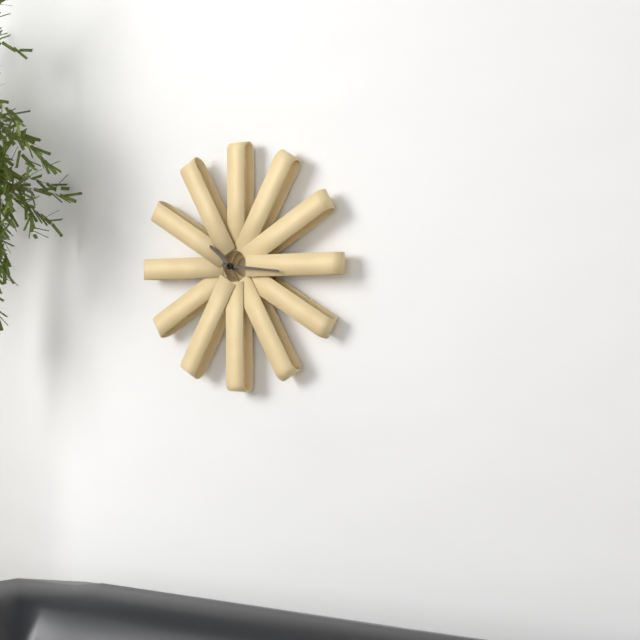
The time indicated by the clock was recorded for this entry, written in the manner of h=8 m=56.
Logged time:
h=10 m=16
